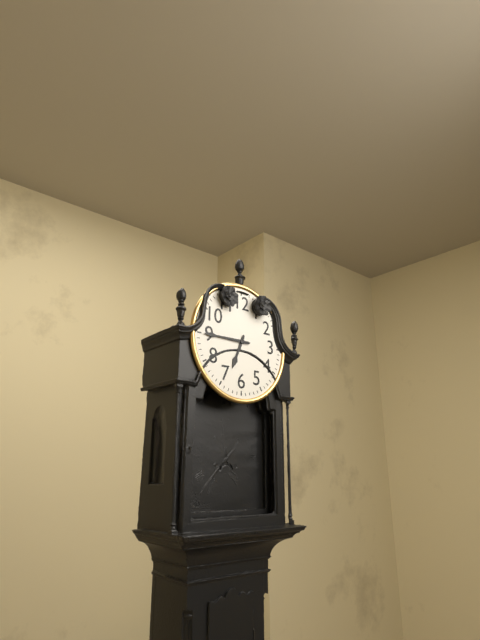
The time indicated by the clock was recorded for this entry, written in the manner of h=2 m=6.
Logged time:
h=6 m=45
